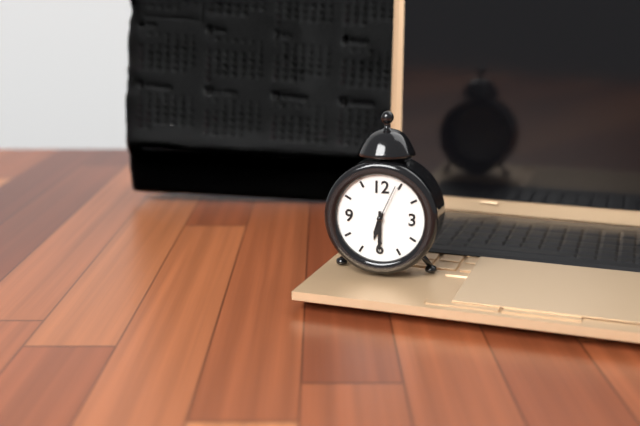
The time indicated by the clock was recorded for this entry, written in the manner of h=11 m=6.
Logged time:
h=6 m=30
